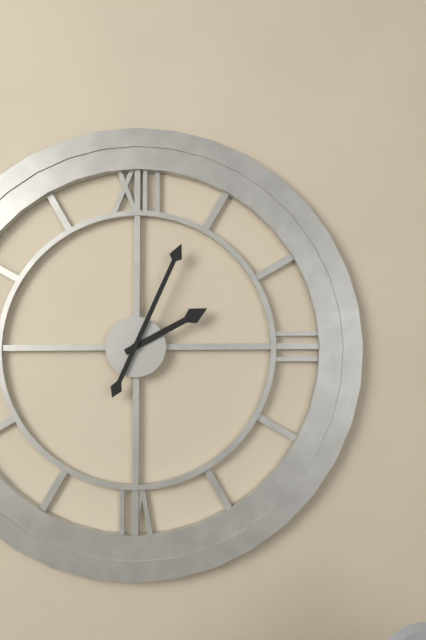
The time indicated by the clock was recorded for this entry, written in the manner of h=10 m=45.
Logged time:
h=2 m=4
